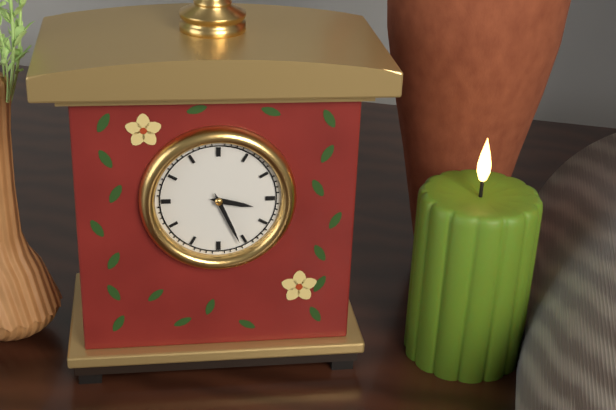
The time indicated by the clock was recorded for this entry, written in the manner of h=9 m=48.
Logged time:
h=3 m=26
